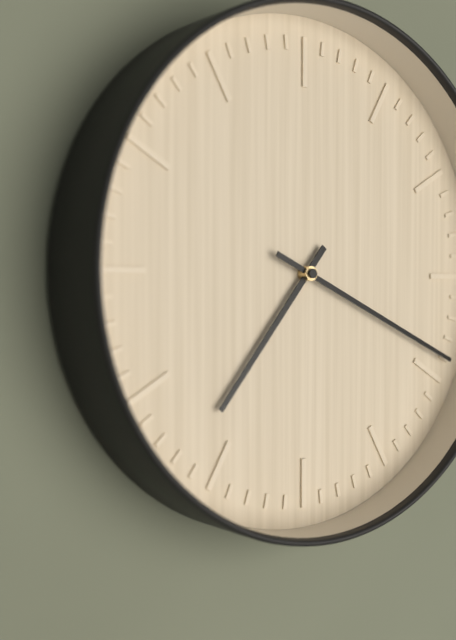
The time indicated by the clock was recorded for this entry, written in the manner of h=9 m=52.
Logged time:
h=7 m=19
